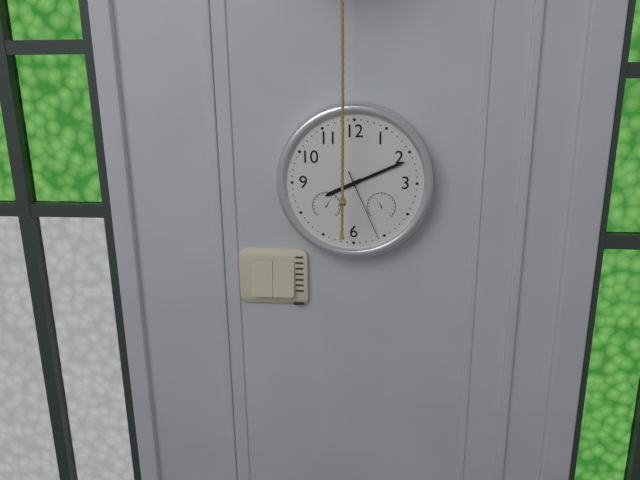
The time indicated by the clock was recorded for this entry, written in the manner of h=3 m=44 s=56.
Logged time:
h=8 m=11 s=26
